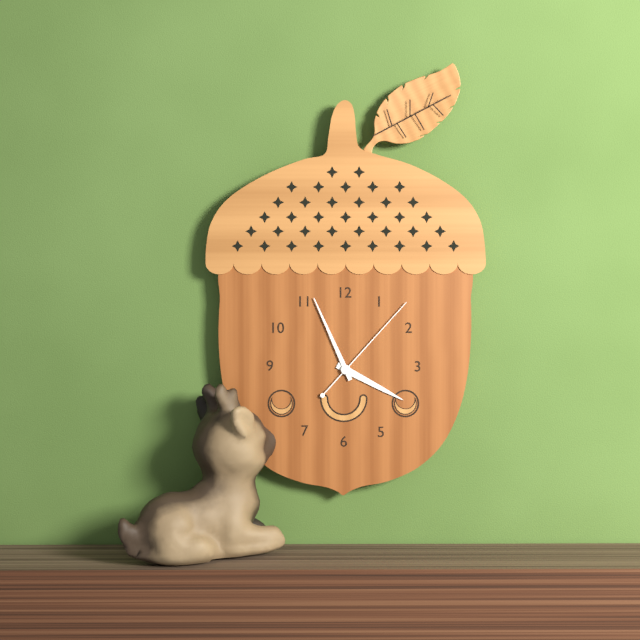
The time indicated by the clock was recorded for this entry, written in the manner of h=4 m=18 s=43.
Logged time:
h=3 m=56 s=7
